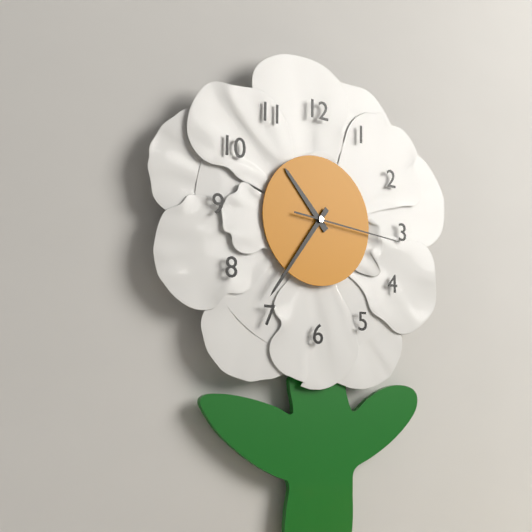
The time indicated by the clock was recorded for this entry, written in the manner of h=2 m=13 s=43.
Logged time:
h=10 m=36 s=16
